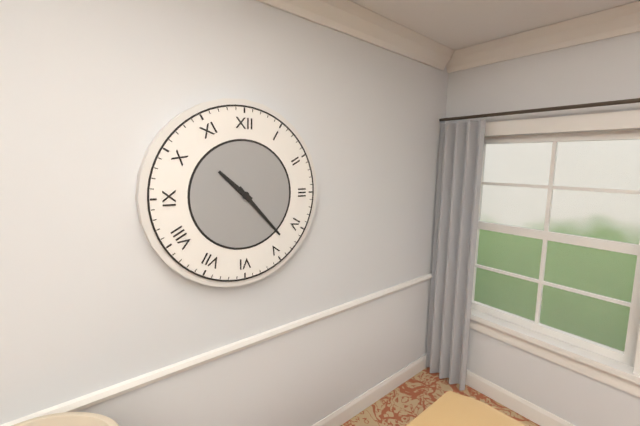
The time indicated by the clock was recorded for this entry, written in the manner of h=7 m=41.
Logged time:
h=10 m=23
